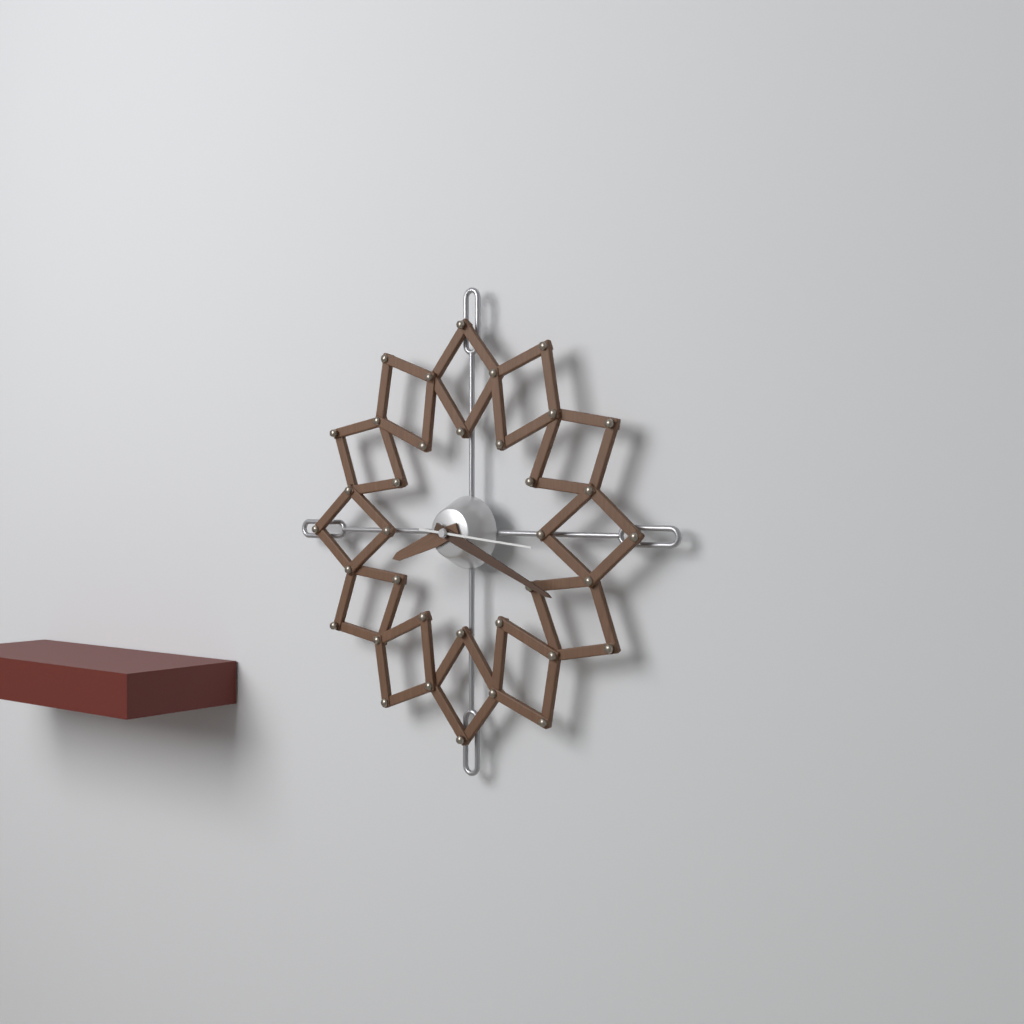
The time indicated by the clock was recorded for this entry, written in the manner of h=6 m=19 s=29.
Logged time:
h=8 m=19 s=16
